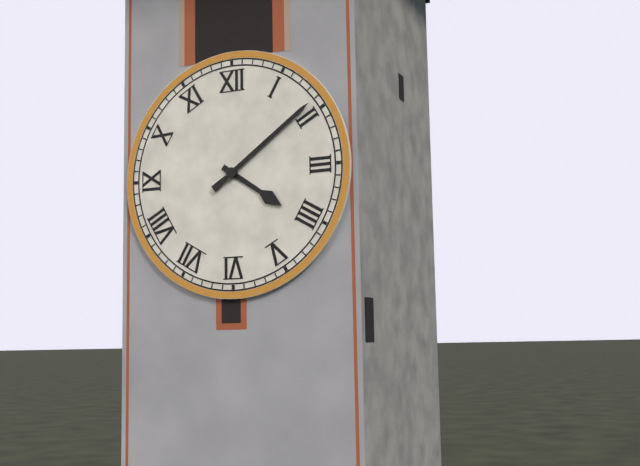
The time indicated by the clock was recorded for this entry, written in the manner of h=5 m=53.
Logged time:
h=4 m=9
